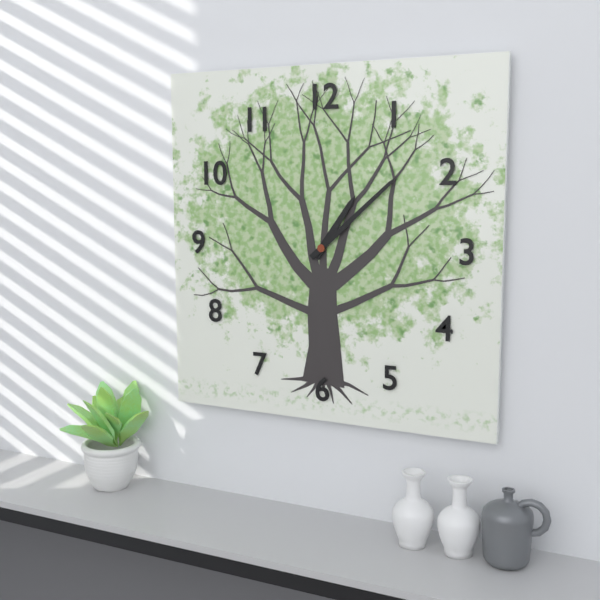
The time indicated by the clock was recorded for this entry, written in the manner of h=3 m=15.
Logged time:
h=1 m=8
